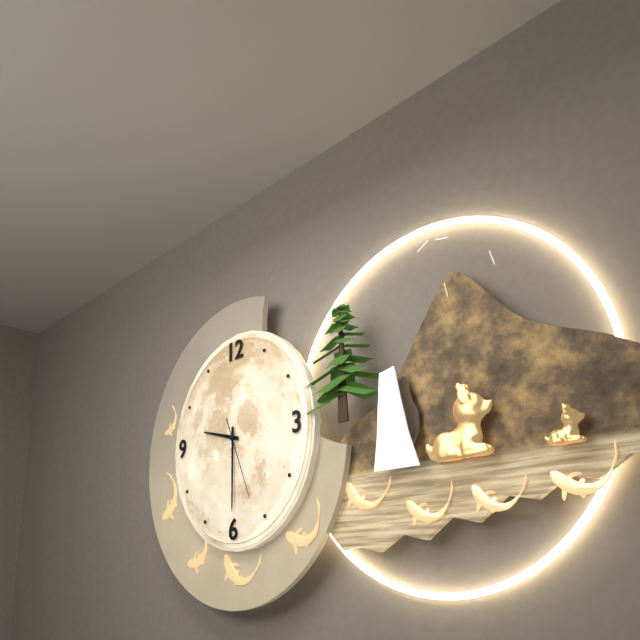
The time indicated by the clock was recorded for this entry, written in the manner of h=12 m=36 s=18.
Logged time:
h=9 m=30 s=26
